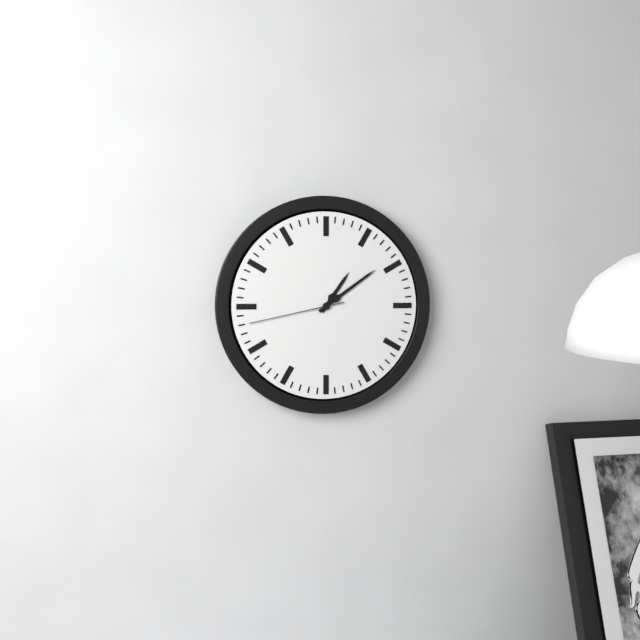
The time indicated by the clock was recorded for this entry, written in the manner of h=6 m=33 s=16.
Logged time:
h=1 m=9 s=43
